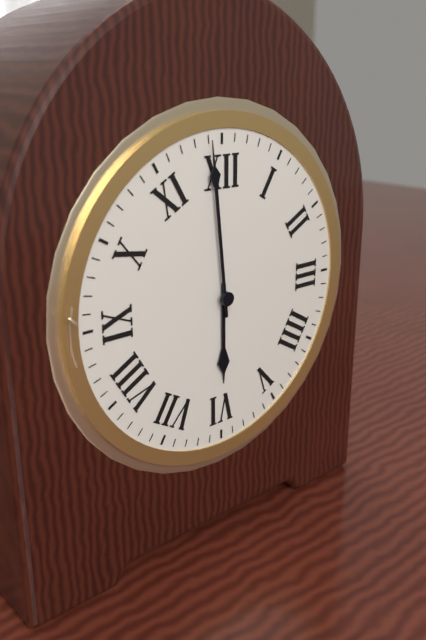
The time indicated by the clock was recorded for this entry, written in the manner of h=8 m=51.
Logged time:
h=5 m=59
